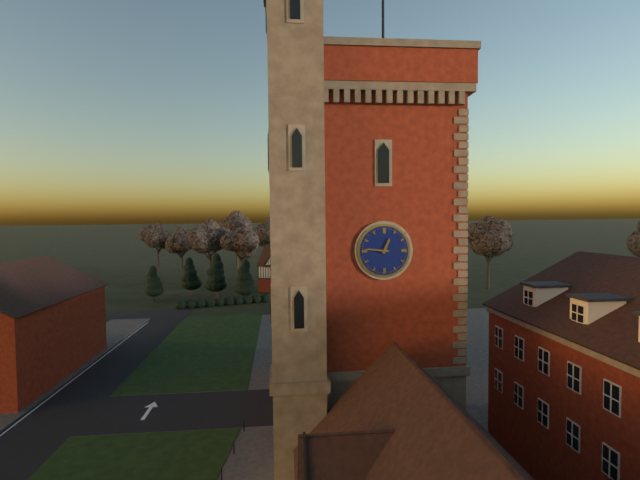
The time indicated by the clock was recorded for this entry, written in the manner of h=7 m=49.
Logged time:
h=12 m=46
